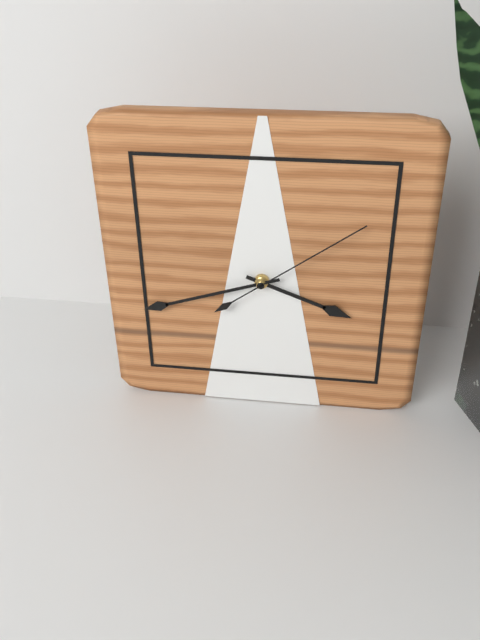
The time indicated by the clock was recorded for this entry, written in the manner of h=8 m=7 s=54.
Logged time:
h=3 m=42 s=9
